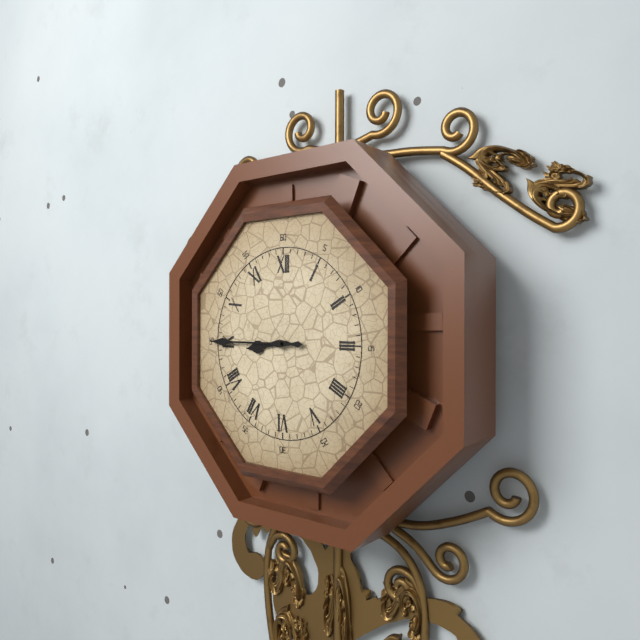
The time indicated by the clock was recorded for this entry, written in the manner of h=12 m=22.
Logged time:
h=8 m=45
